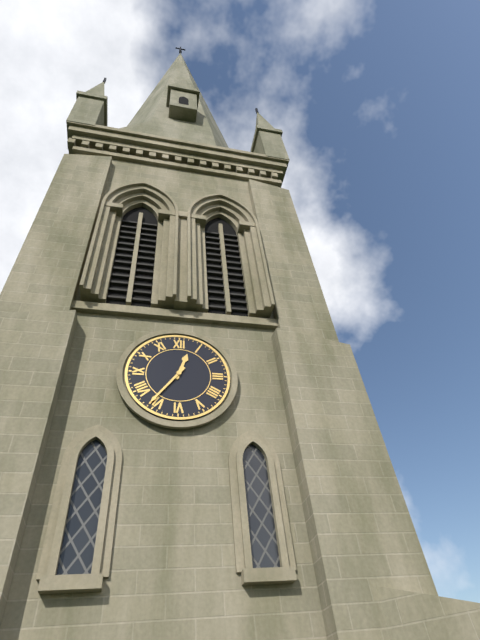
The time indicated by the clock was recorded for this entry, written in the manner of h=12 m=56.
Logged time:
h=12 m=36
